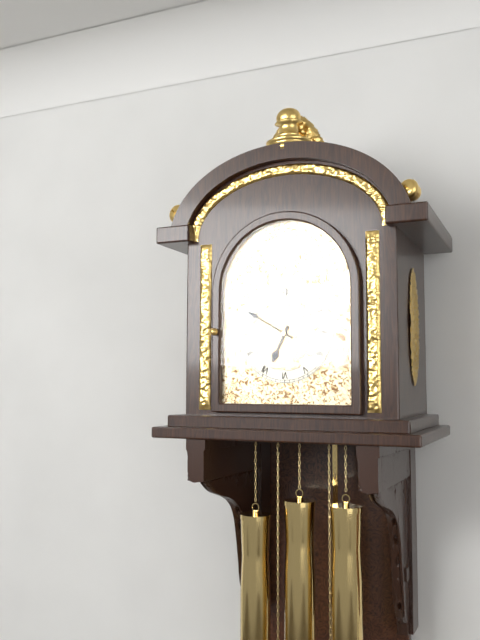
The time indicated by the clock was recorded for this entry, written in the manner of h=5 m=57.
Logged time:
h=6 m=50
